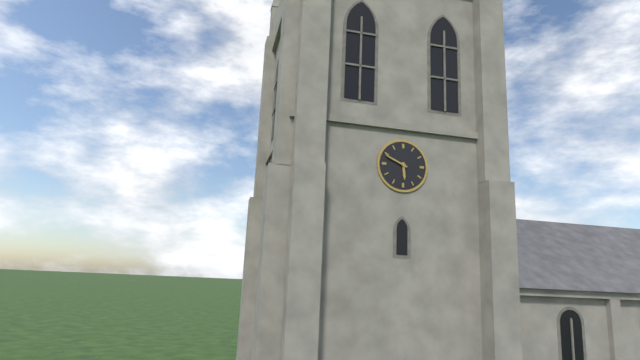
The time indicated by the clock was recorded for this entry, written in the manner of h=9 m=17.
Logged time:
h=5 m=49
